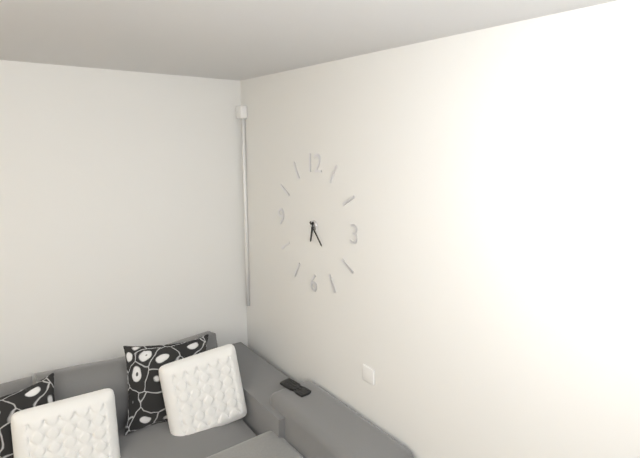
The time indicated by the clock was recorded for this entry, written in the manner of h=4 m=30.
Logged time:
h=6 m=23
